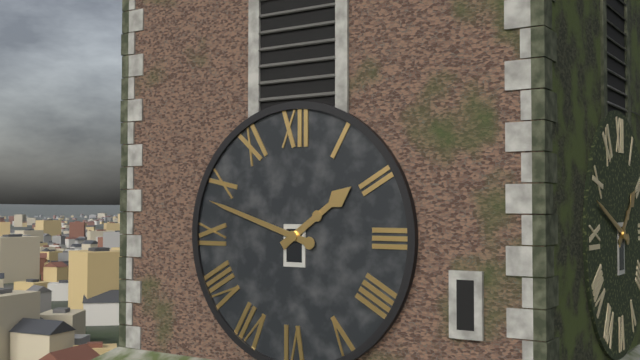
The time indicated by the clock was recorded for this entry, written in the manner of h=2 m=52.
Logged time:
h=1 m=48
